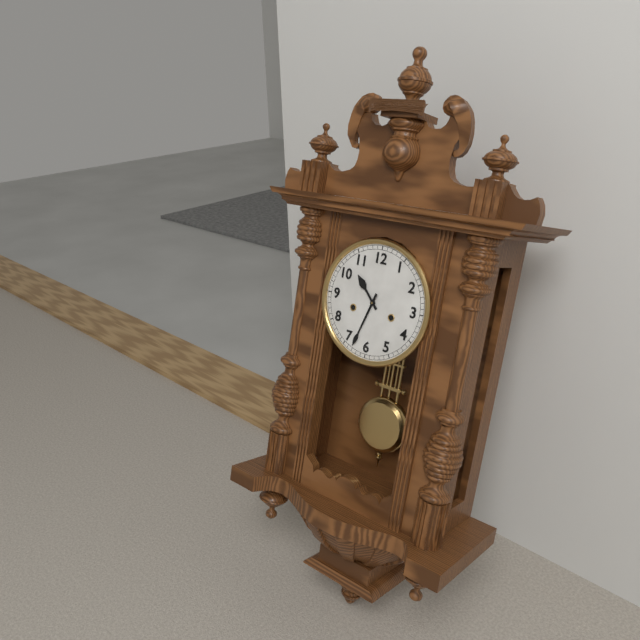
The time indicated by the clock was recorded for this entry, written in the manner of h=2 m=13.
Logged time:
h=10 m=33
